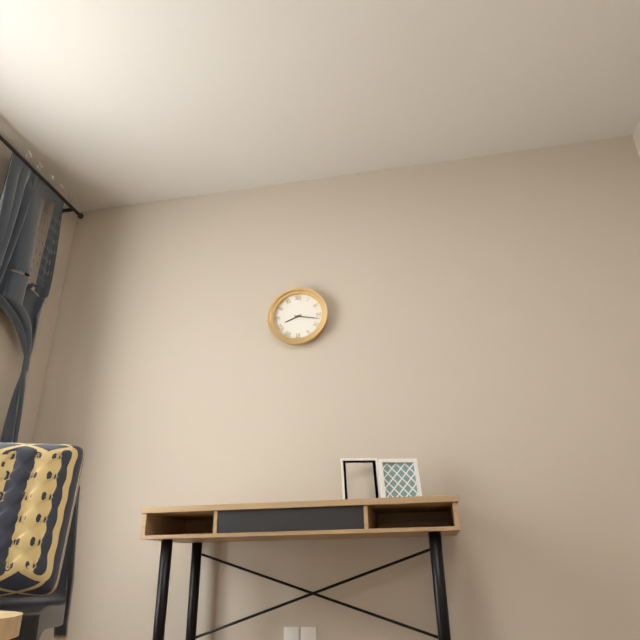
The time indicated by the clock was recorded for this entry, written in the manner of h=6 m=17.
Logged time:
h=8 m=17
